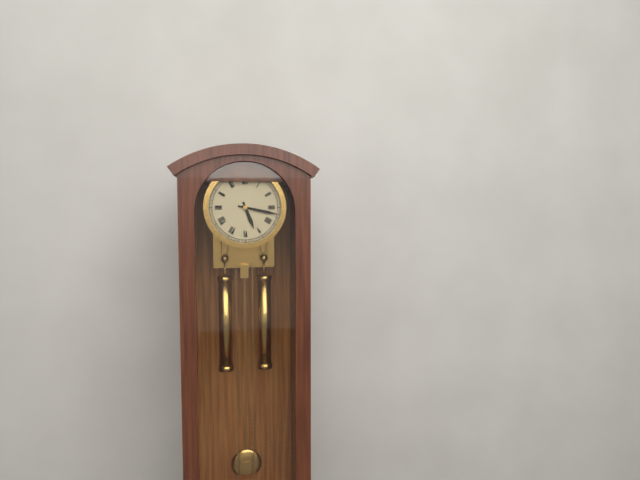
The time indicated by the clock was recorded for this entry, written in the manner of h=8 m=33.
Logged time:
h=5 m=17
